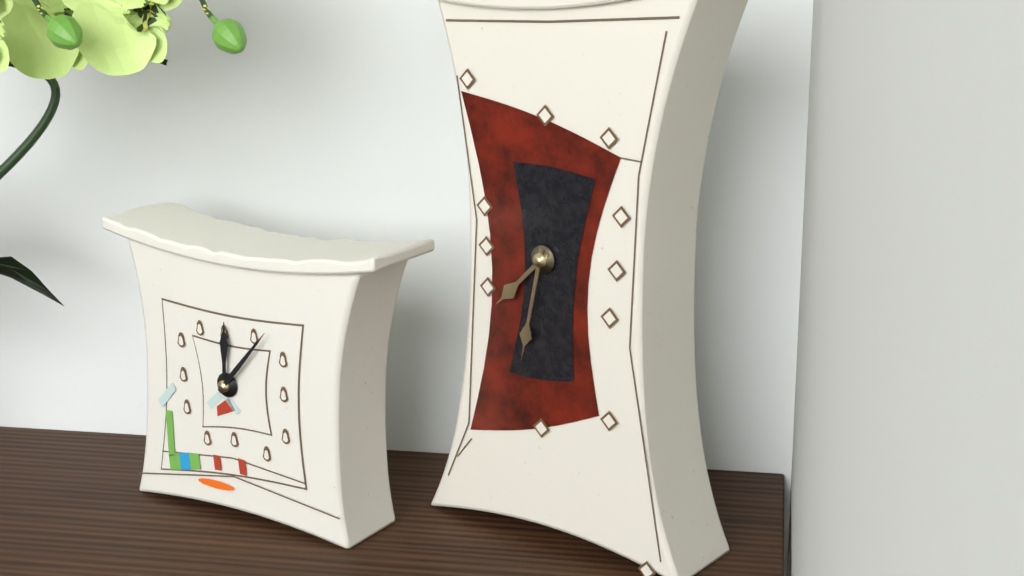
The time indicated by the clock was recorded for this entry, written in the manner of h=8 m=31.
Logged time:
h=7 m=32
